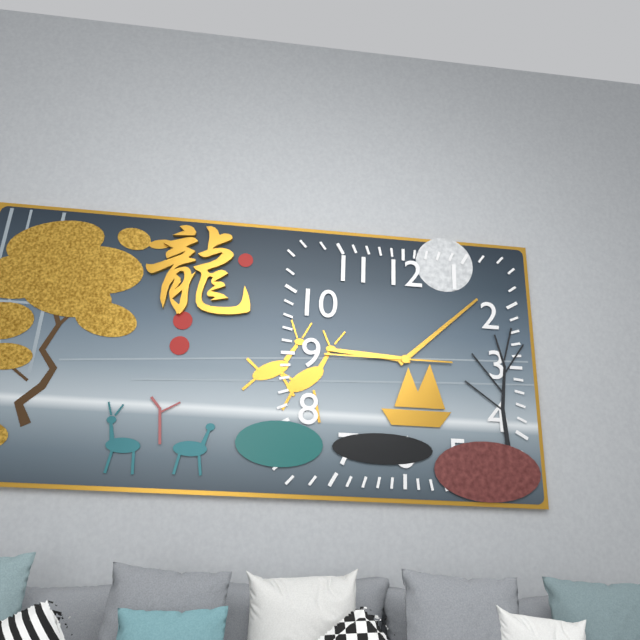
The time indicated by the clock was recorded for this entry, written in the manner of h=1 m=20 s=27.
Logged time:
h=9 m=8 s=45
